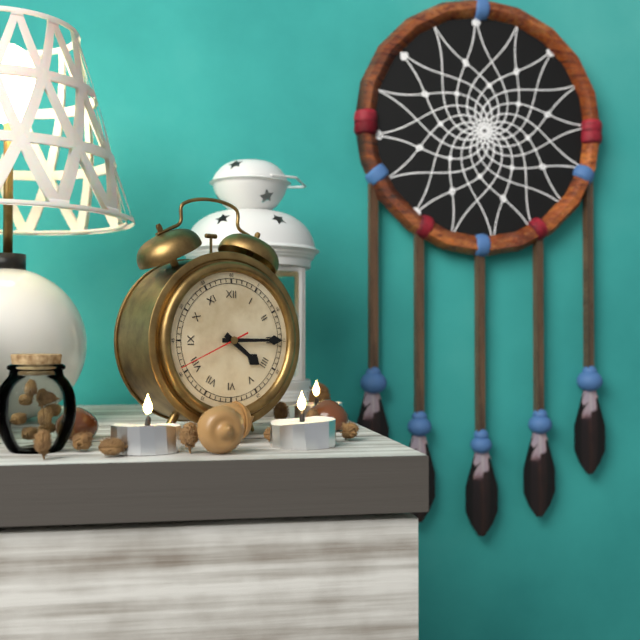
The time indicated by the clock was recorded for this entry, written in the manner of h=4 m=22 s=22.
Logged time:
h=4 m=15 s=41
